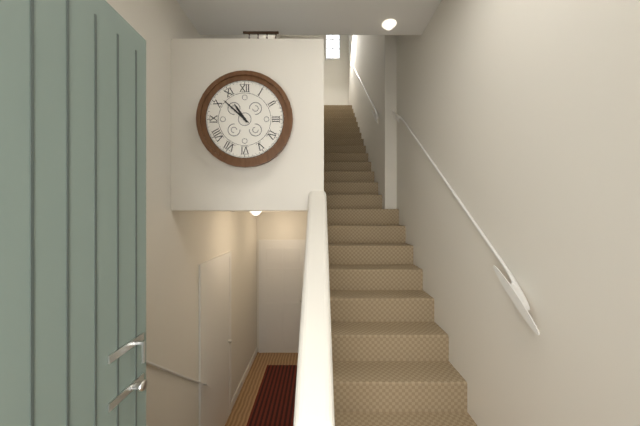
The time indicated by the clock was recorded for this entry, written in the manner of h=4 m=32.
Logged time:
h=10 m=52
